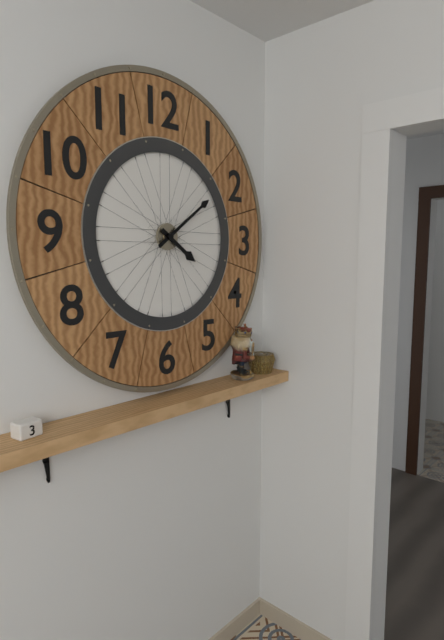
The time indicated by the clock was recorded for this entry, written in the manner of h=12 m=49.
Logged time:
h=4 m=9
